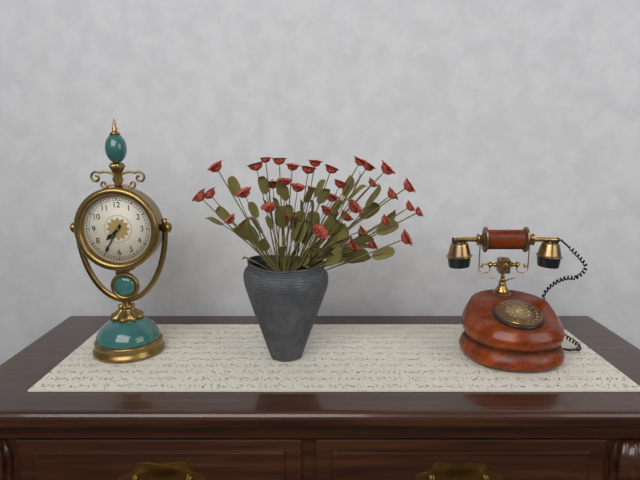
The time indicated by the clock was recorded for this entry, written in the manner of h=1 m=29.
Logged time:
h=7 m=35
